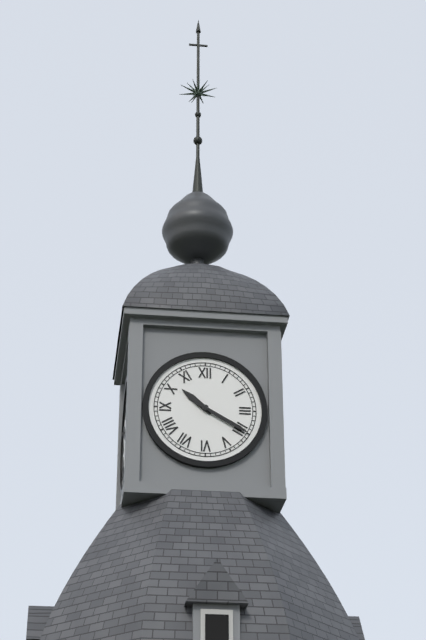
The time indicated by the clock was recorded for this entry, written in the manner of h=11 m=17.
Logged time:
h=10 m=20
